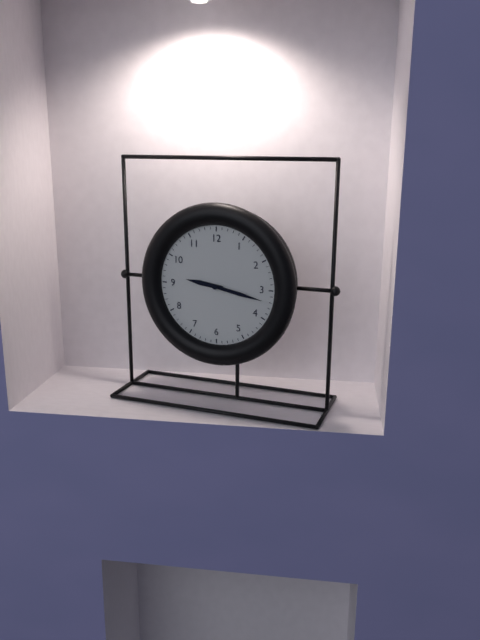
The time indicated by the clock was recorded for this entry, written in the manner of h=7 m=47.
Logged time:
h=9 m=17
